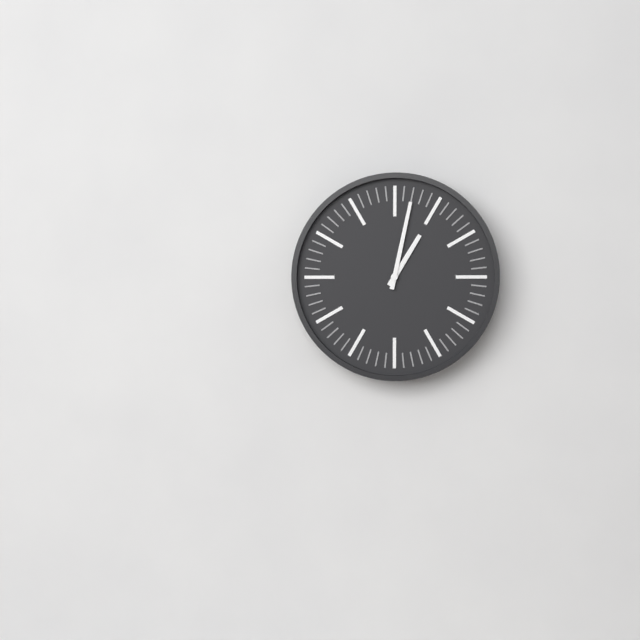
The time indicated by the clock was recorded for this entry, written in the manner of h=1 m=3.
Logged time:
h=1 m=2
